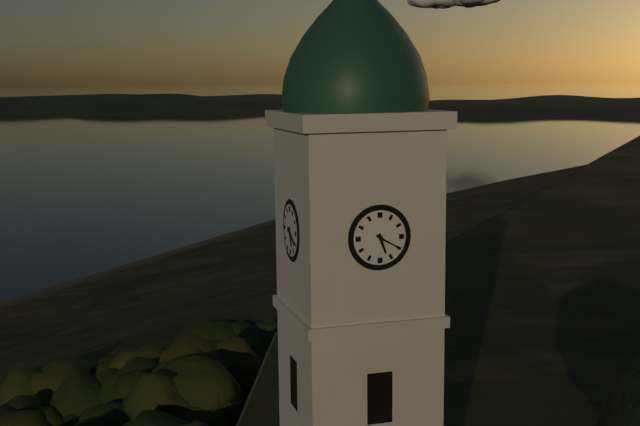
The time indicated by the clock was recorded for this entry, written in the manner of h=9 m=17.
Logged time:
h=5 m=20
